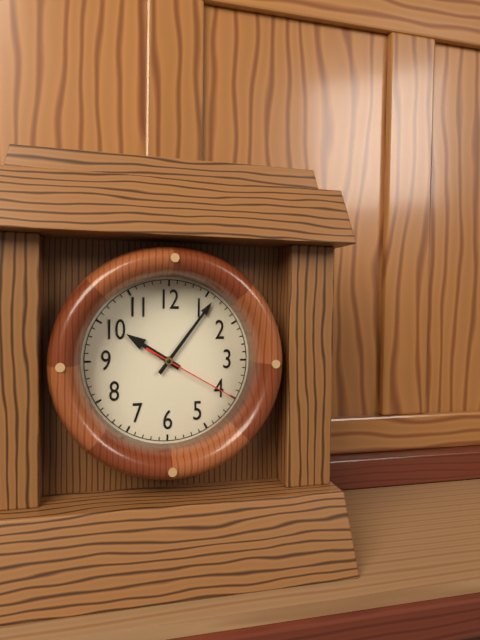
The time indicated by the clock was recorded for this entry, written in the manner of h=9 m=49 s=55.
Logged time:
h=10 m=6 s=20
